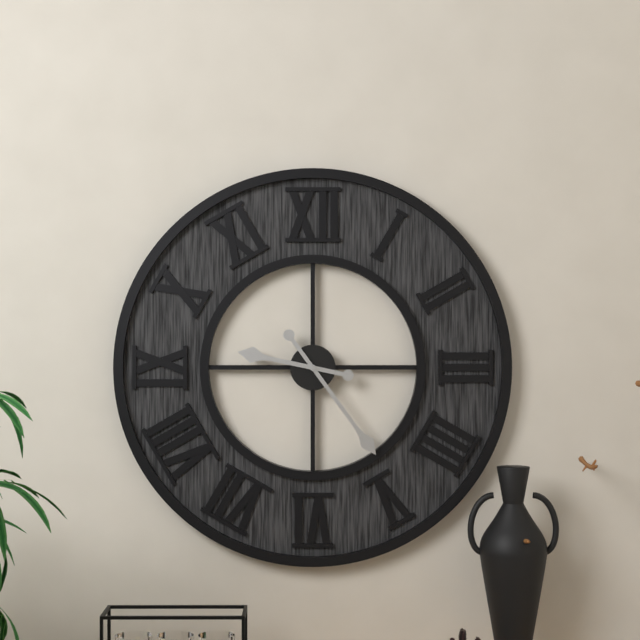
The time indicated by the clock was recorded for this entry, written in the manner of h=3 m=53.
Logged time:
h=9 m=24
